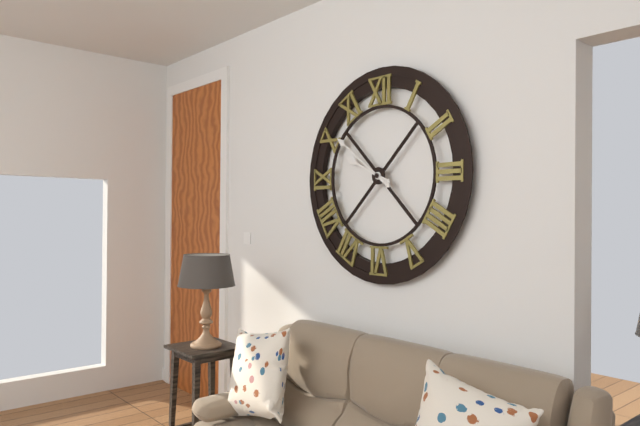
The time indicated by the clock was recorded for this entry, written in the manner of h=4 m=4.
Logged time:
h=9 m=51
